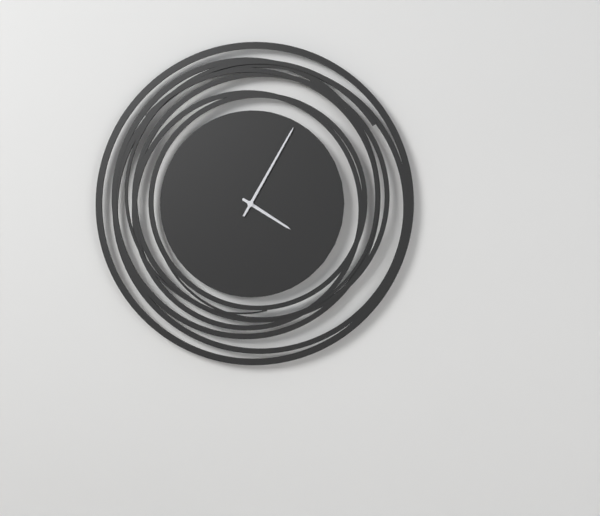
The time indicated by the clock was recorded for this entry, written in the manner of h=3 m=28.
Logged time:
h=4 m=5
